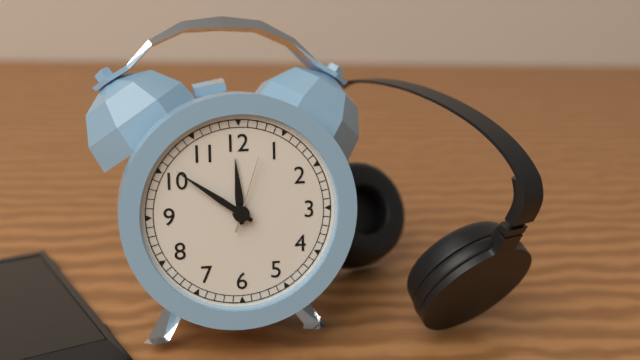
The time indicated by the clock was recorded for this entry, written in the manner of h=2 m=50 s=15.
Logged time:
h=11 m=51 s=3
